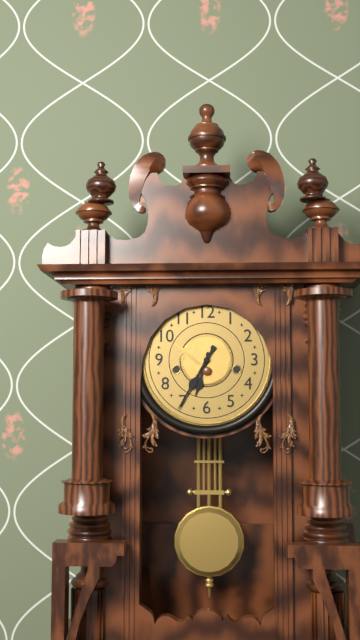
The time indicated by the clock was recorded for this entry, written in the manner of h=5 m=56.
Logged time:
h=6 m=35
